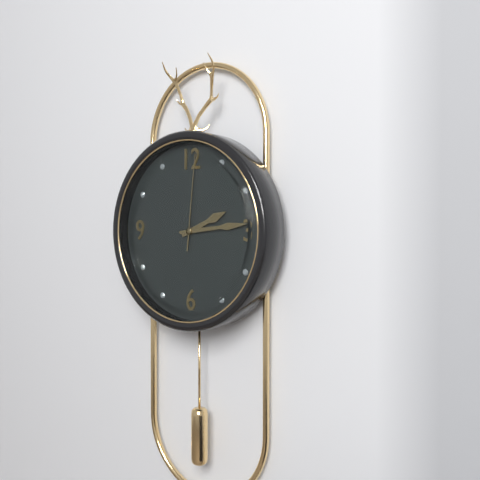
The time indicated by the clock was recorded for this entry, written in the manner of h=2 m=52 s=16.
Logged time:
h=2 m=14 s=1
